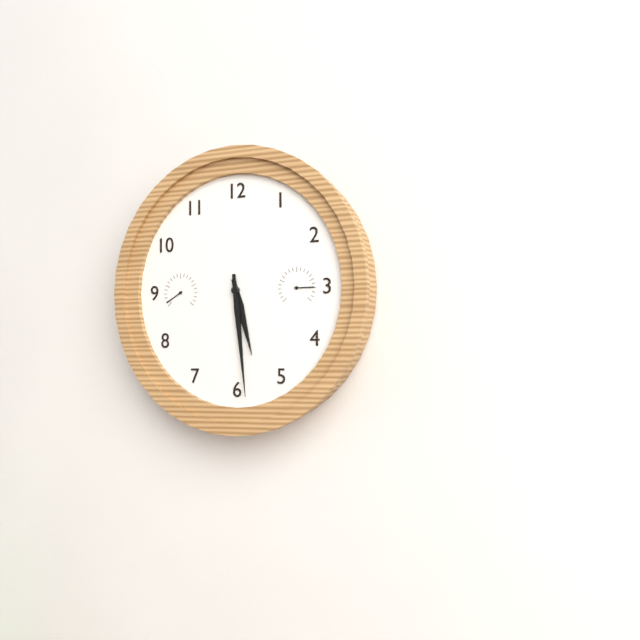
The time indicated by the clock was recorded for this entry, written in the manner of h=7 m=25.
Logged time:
h=5 m=29
